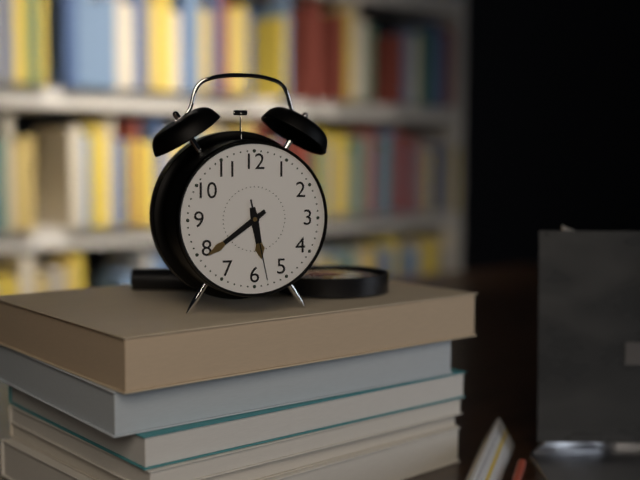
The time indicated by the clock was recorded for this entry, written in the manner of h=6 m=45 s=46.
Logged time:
h=5 m=39 s=28
